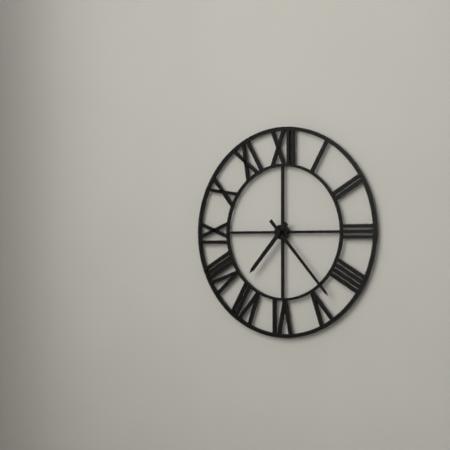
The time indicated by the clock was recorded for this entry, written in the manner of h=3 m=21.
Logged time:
h=7 m=23
